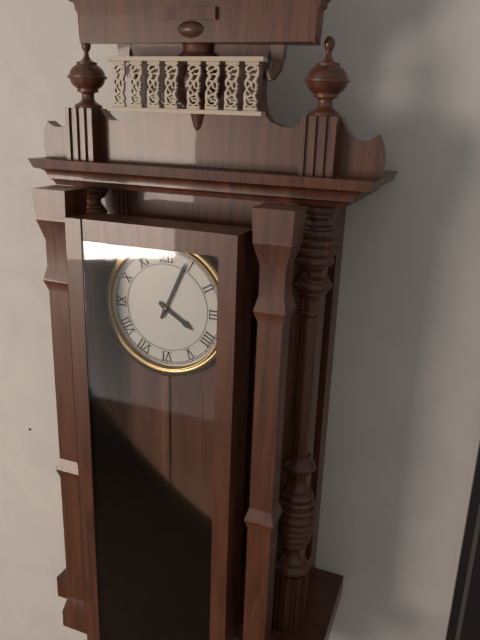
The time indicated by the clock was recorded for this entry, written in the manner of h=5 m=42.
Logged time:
h=4 m=4
